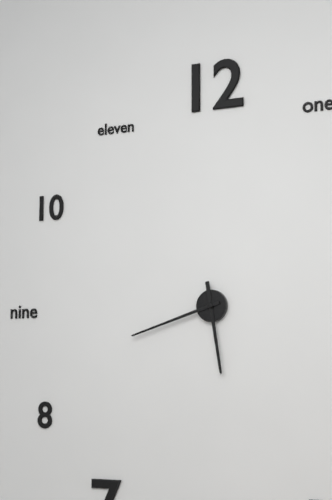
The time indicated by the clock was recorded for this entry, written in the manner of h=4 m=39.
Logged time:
h=5 m=42
